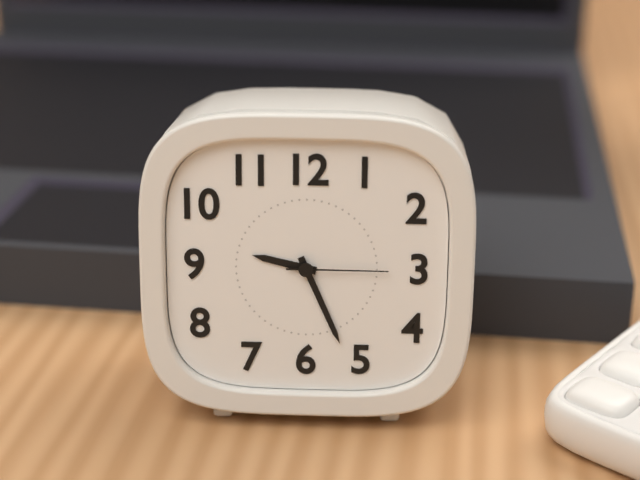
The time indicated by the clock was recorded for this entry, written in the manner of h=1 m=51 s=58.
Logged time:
h=9 m=26 s=15
